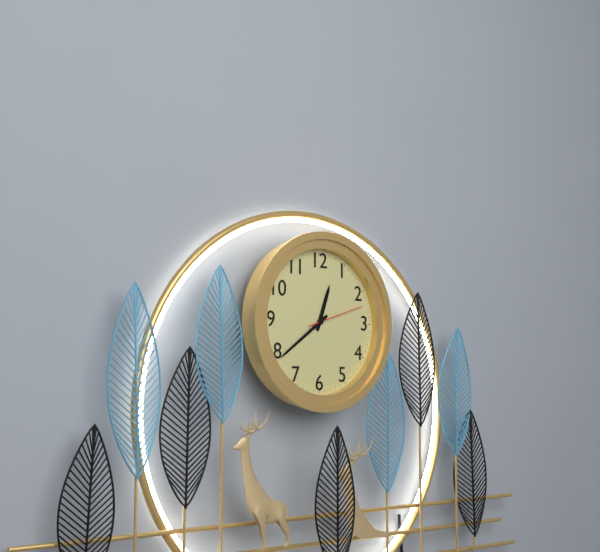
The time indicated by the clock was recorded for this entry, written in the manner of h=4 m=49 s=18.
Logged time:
h=12 m=39 s=12
